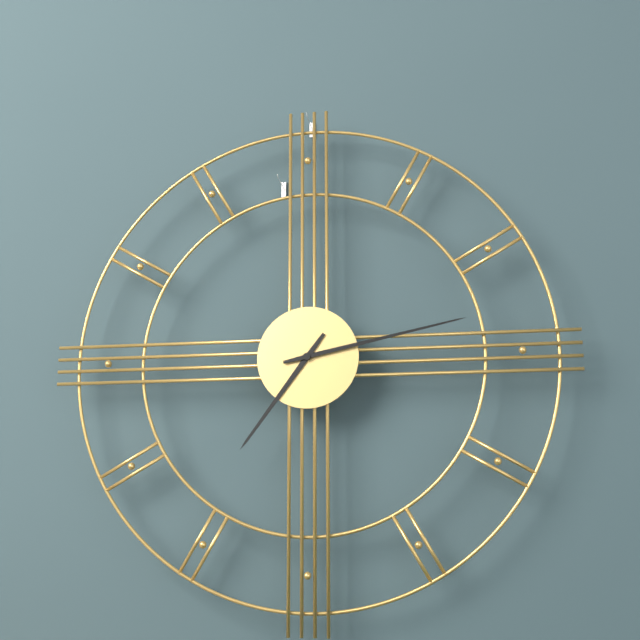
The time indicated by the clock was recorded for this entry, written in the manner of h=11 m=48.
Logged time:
h=7 m=13
